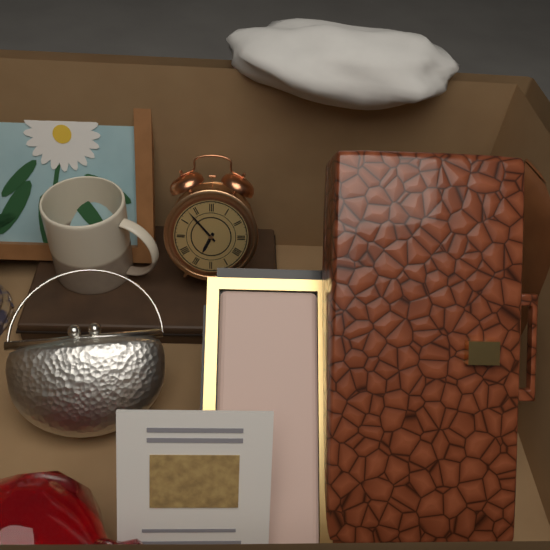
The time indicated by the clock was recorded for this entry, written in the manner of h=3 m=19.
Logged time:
h=6 m=53
